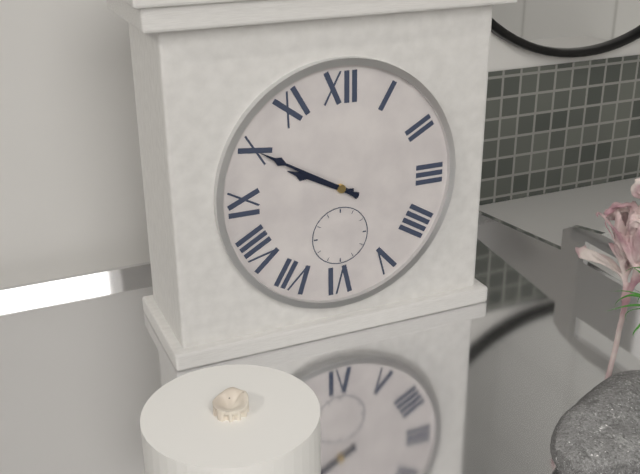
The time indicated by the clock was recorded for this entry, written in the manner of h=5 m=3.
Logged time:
h=9 m=50
